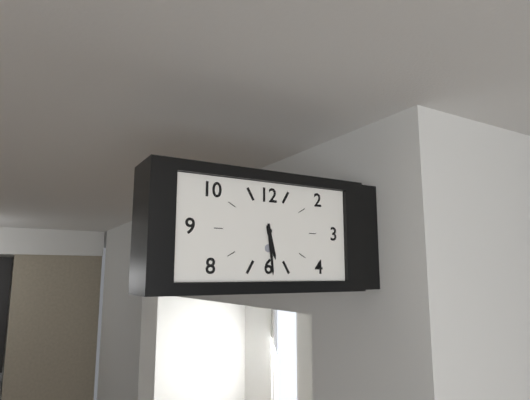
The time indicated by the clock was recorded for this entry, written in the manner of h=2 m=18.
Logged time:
h=5 m=29
